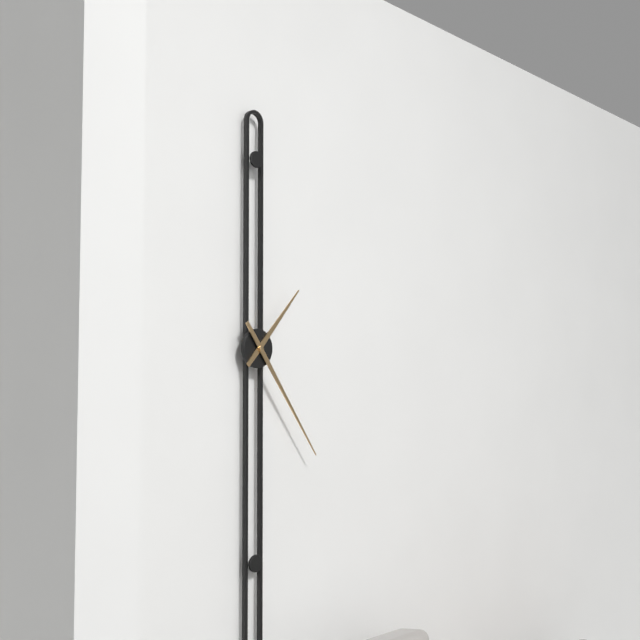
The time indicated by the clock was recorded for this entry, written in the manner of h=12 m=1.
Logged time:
h=1 m=24
